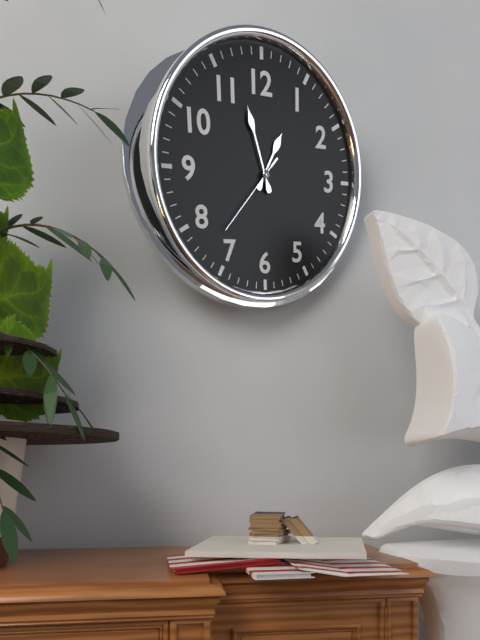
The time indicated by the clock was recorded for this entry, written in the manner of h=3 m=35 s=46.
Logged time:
h=12 m=57 s=37
